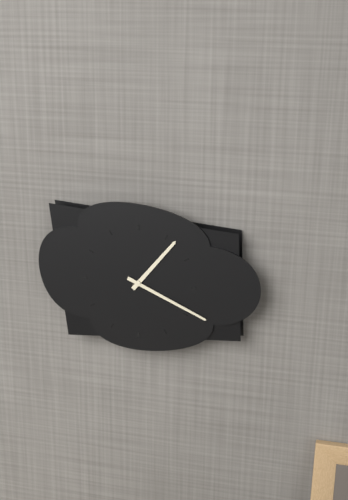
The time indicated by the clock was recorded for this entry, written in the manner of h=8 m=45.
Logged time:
h=1 m=19
